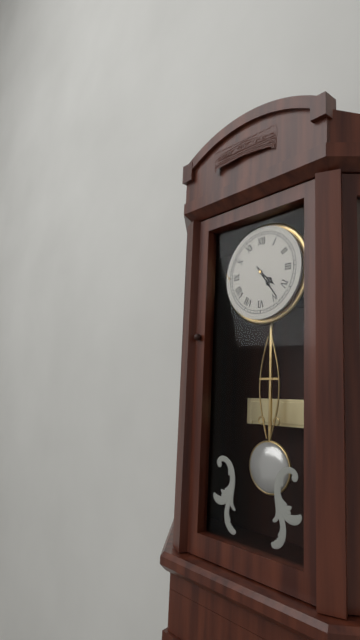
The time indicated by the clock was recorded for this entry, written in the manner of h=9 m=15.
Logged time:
h=4 m=24
